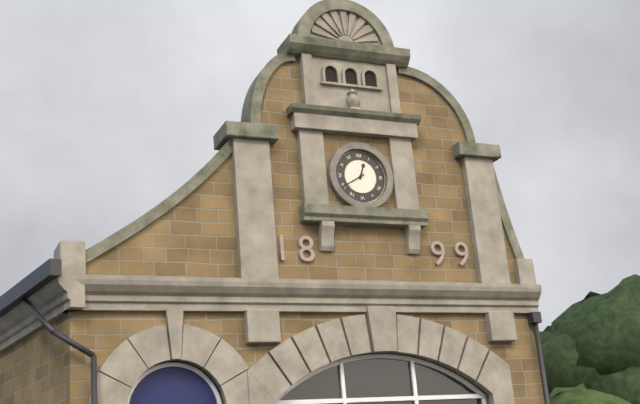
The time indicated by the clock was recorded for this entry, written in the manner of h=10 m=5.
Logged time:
h=12 m=40
